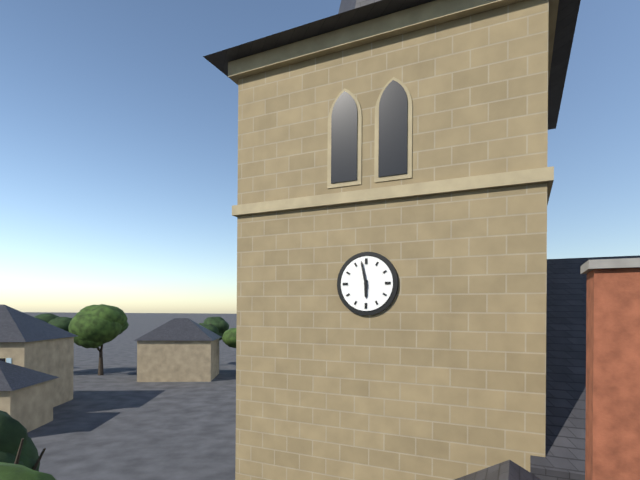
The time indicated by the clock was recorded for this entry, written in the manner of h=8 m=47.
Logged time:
h=5 m=58
